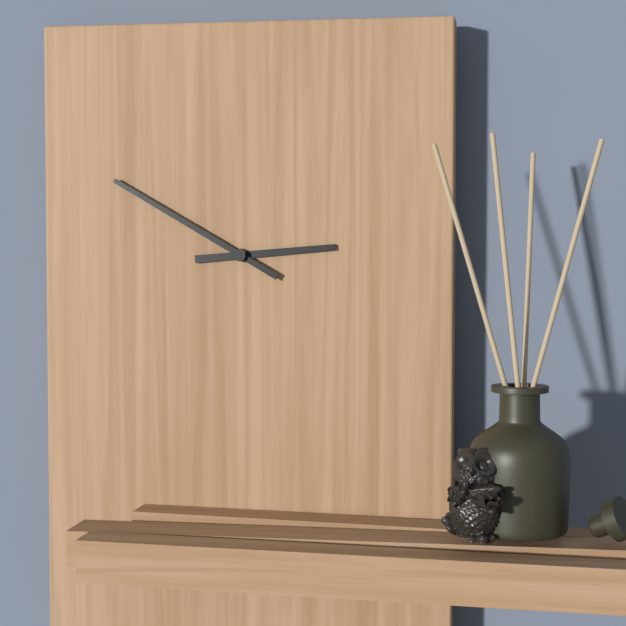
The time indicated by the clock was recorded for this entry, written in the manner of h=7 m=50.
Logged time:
h=2 m=50
